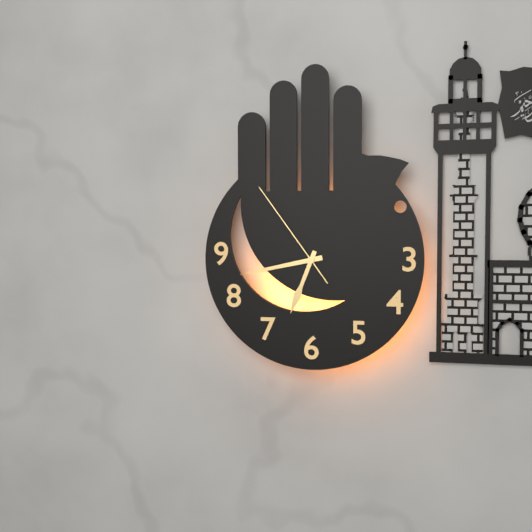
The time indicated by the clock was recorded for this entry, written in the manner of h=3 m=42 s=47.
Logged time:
h=6 m=43 s=54
